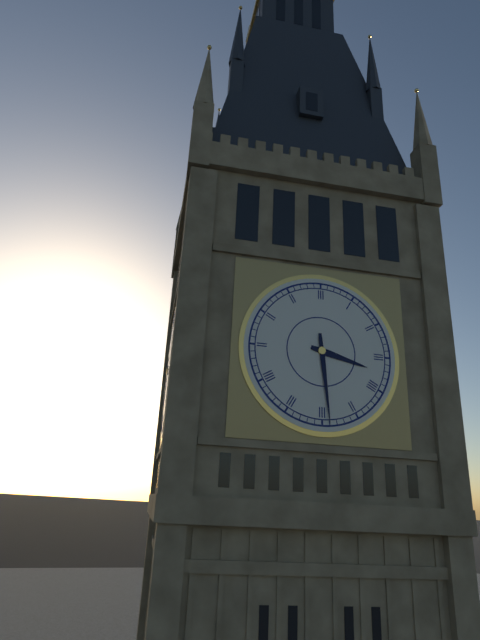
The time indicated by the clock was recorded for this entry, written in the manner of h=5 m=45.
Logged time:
h=3 m=29
